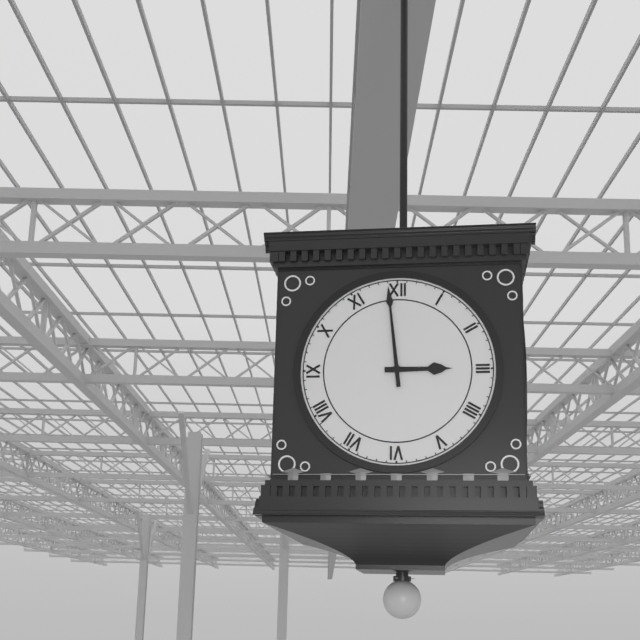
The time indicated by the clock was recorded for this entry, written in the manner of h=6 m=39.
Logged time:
h=2 m=59
